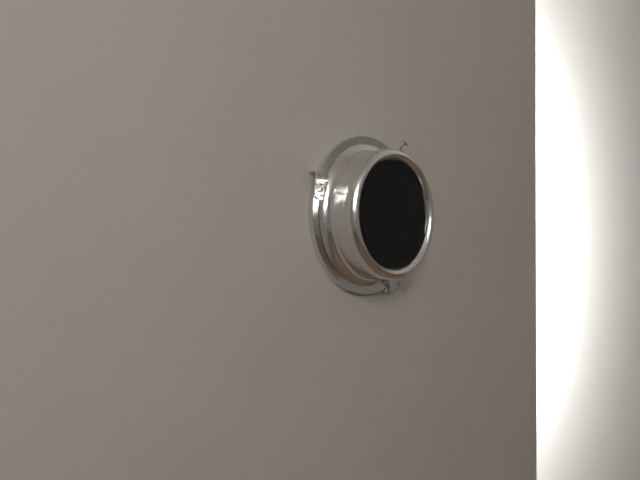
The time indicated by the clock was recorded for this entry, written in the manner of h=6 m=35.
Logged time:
h=12 m=49
